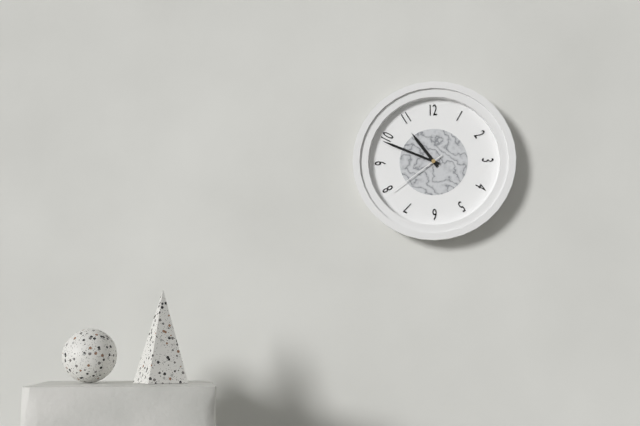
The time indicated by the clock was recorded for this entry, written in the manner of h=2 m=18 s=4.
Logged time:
h=10 m=49 s=39
